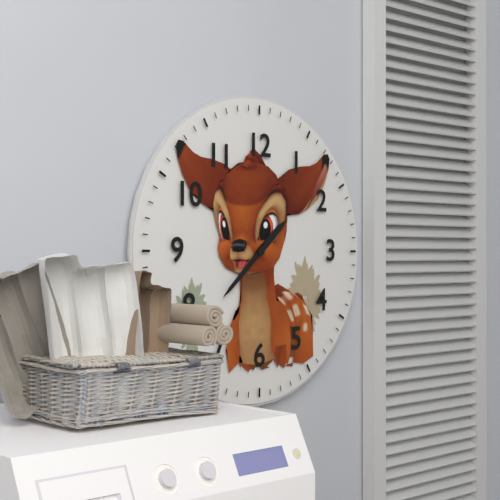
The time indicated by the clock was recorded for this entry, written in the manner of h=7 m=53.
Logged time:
h=1 m=38
